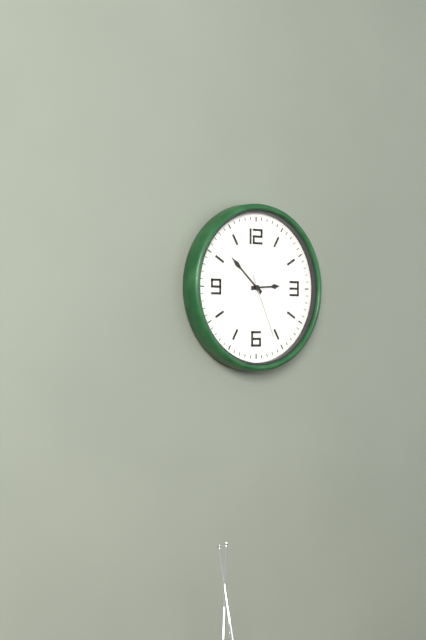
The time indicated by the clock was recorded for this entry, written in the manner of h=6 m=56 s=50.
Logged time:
h=2 m=52 s=26
